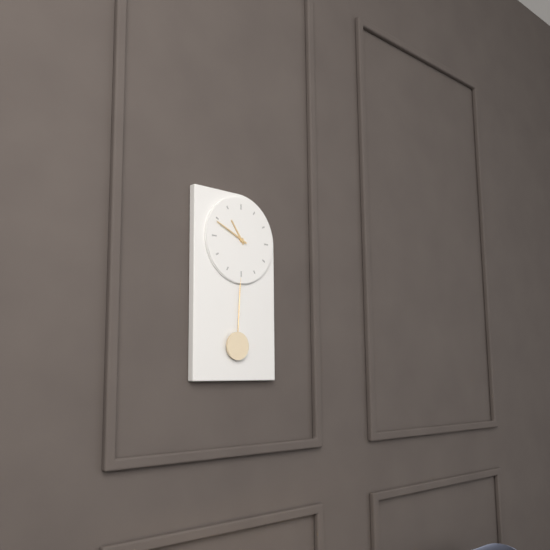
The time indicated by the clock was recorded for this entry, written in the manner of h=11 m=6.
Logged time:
h=10 m=49
